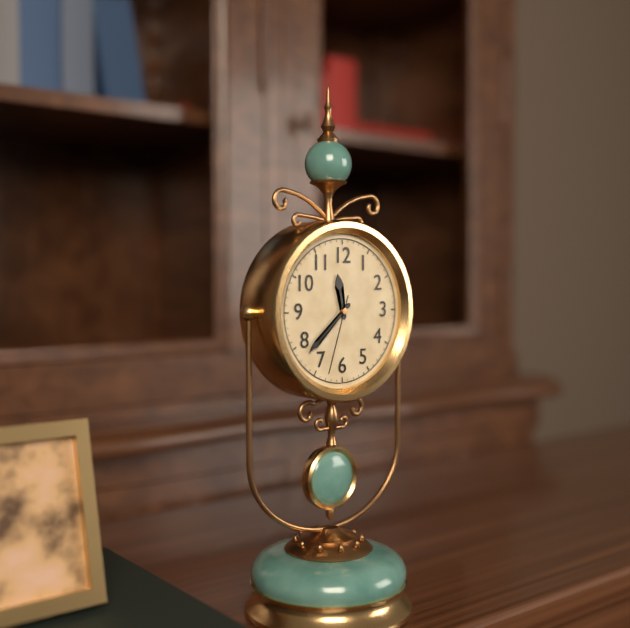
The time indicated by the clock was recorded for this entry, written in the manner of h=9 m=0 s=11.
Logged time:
h=11 m=38 s=33
